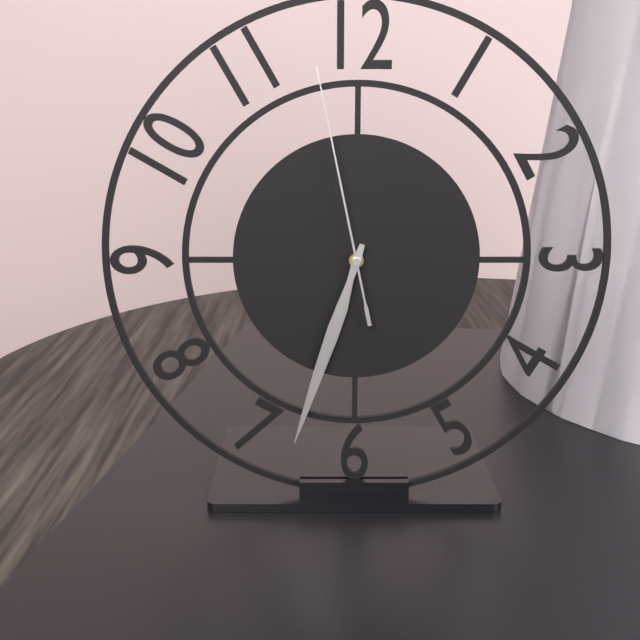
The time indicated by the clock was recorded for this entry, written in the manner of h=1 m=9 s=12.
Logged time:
h=6 m=33 s=58
